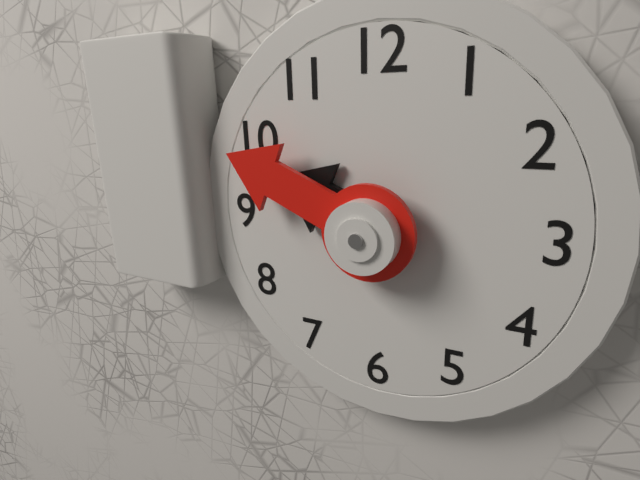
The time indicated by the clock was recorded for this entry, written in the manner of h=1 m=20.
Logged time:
h=9 m=49
